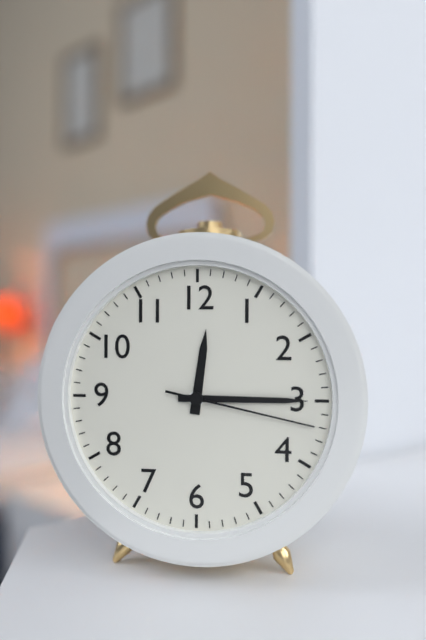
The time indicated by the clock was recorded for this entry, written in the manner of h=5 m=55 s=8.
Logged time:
h=12 m=15 s=17
